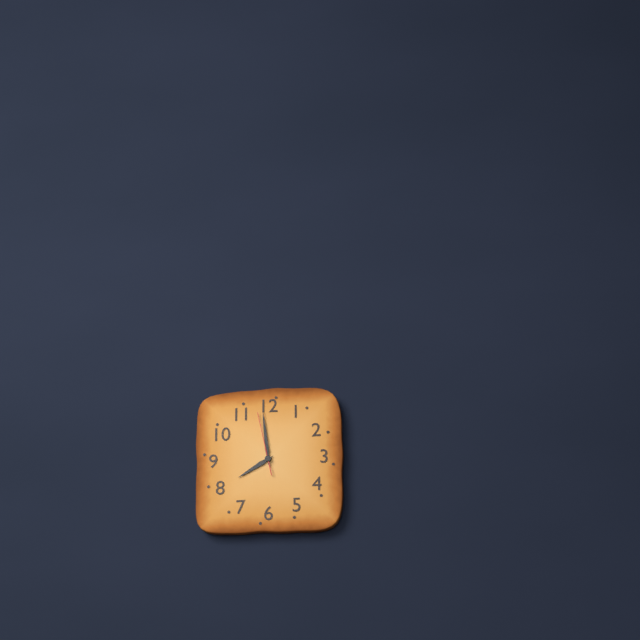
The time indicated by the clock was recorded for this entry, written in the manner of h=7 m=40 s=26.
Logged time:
h=7 m=59 s=58
